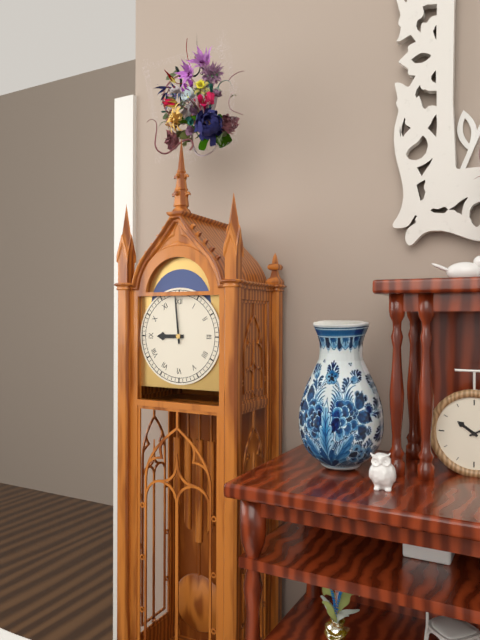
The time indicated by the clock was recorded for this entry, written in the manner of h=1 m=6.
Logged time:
h=8 m=59
